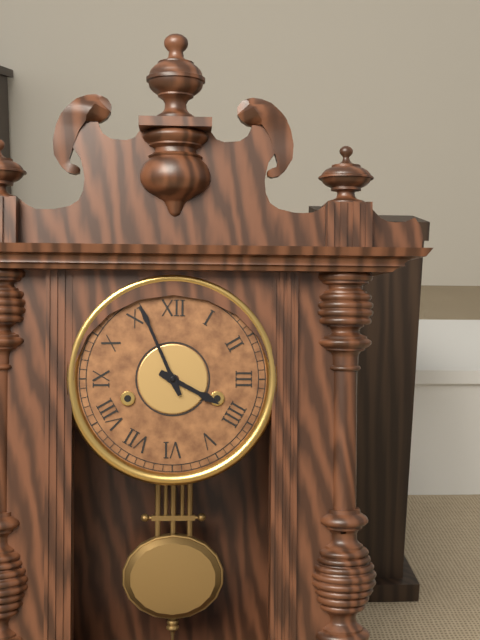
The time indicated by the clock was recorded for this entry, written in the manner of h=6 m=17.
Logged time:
h=3 m=56
